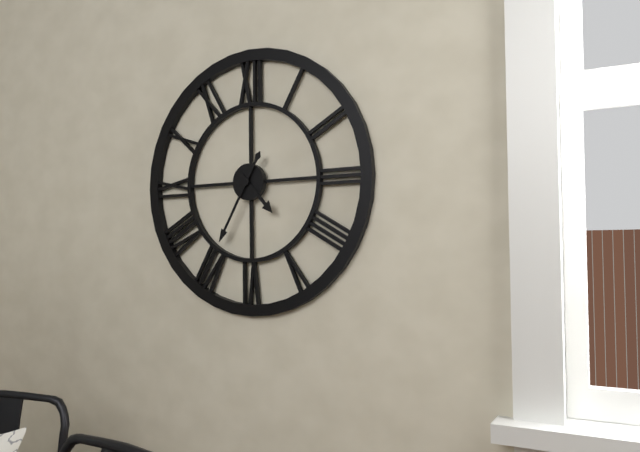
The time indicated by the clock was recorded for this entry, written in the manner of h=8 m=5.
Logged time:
h=4 m=35
